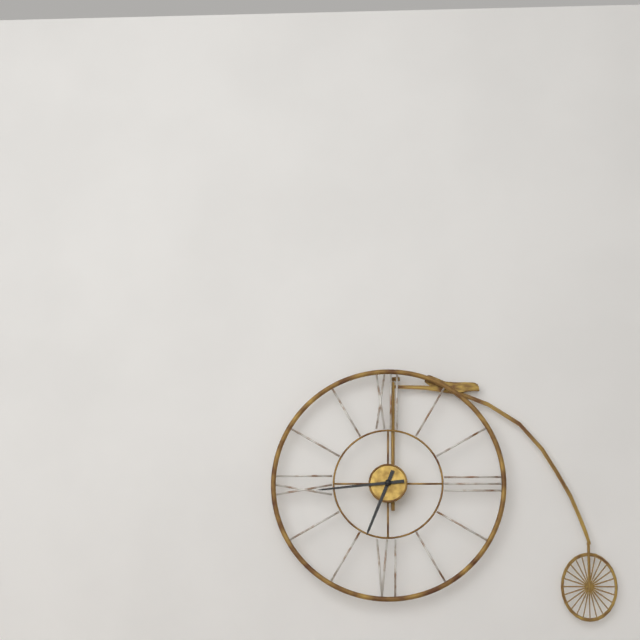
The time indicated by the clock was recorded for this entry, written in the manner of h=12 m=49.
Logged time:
h=6 m=44
